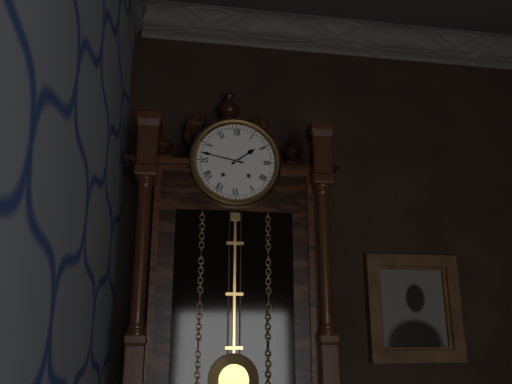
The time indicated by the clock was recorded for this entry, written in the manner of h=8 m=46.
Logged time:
h=1 m=47
